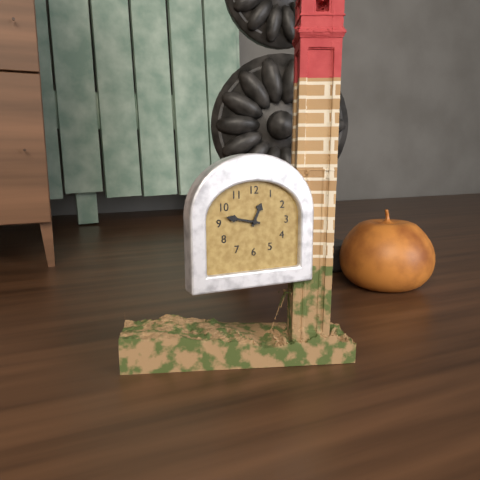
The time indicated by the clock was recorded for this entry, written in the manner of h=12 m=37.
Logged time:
h=12 m=47
